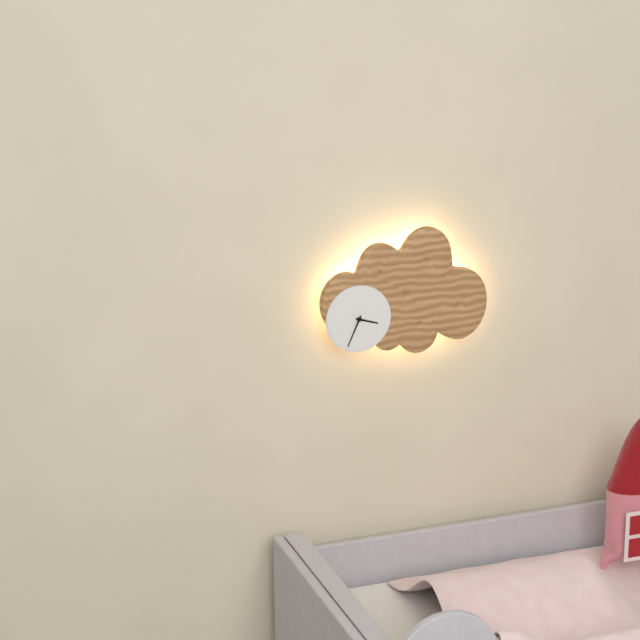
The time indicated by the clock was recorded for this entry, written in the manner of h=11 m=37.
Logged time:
h=3 m=34
